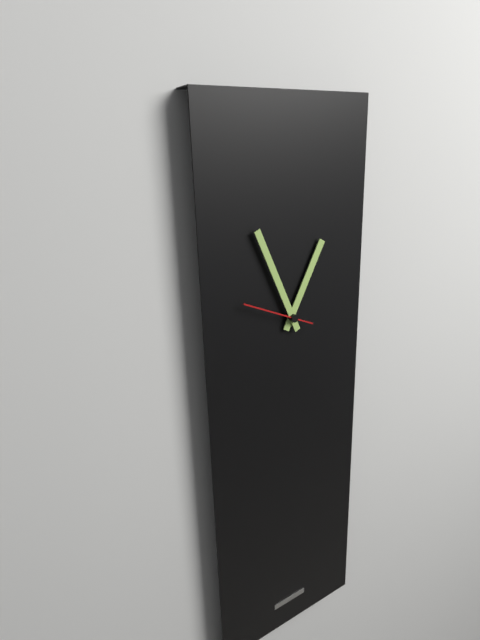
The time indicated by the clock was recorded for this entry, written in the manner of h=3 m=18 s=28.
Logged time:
h=12 m=56 s=49
